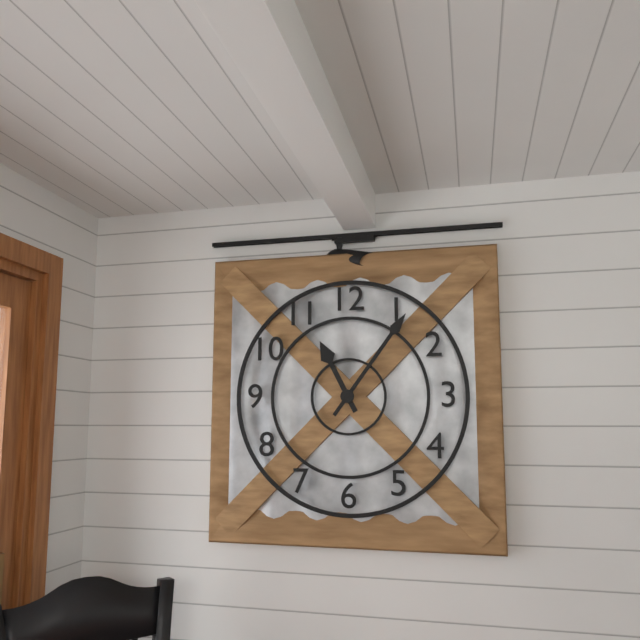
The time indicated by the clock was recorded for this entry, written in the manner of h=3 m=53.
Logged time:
h=11 m=6
